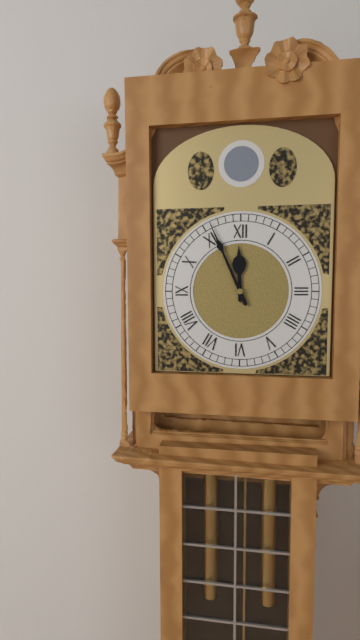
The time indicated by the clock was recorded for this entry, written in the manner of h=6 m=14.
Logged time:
h=11 m=56
